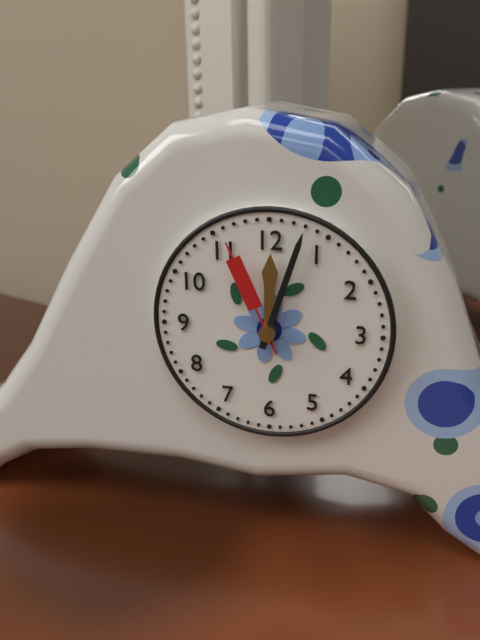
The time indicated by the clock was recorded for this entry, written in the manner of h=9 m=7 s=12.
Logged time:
h=12 m=3 s=56
